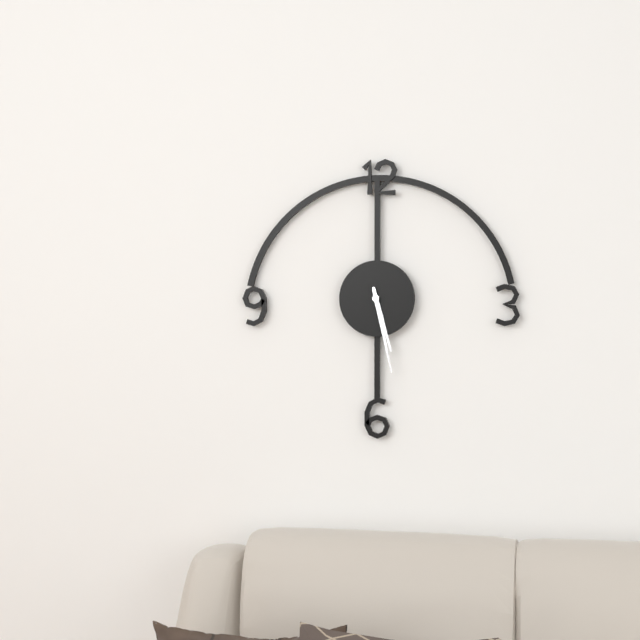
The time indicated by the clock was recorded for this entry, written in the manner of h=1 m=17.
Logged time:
h=5 m=28
